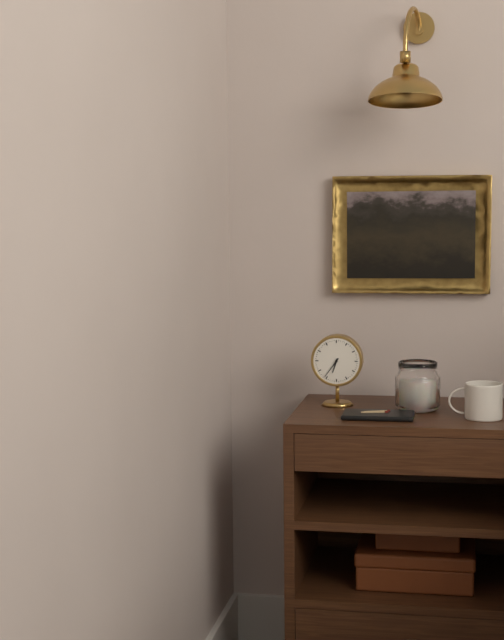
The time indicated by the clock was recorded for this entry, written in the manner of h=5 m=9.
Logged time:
h=6 m=36
